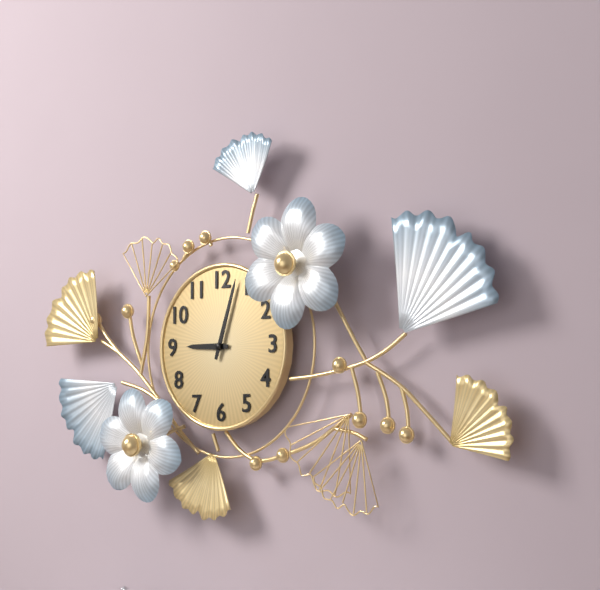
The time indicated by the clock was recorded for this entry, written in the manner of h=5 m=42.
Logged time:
h=9 m=3
